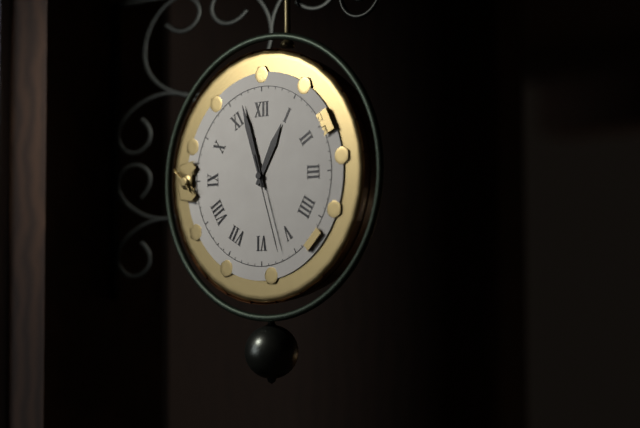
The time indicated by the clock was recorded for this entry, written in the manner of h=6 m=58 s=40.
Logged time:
h=12 m=57 s=27
